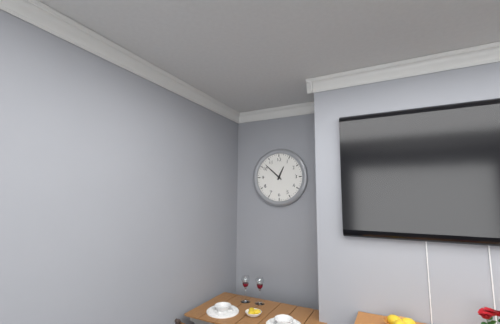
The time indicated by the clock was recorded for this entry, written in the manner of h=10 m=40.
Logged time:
h=12 m=52
